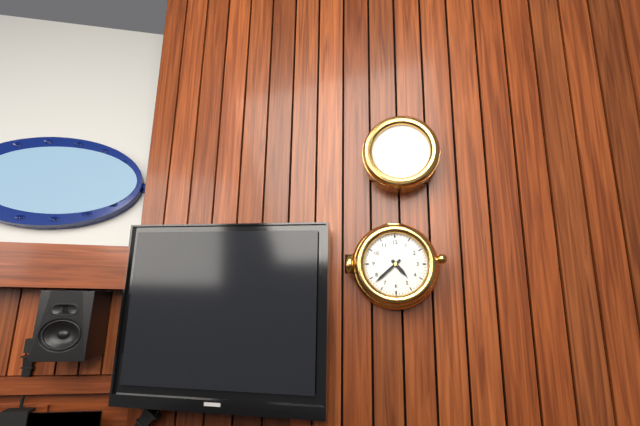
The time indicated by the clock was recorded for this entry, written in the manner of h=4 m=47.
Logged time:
h=4 m=38
